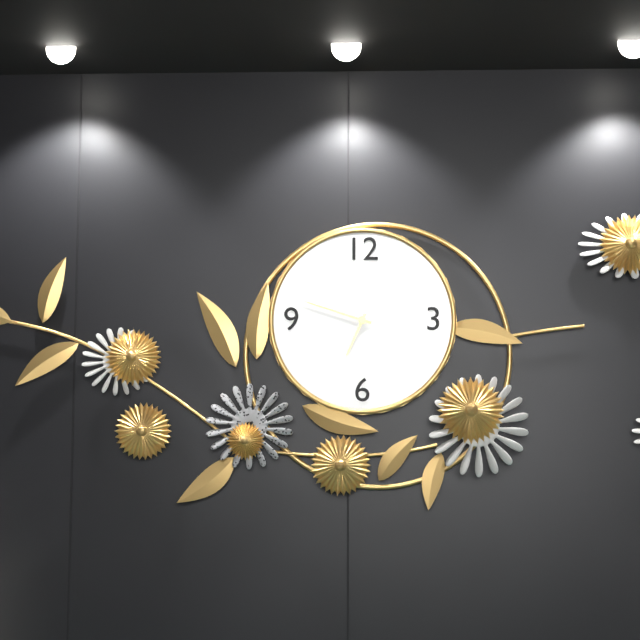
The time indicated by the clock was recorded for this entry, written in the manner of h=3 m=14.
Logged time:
h=6 m=48
